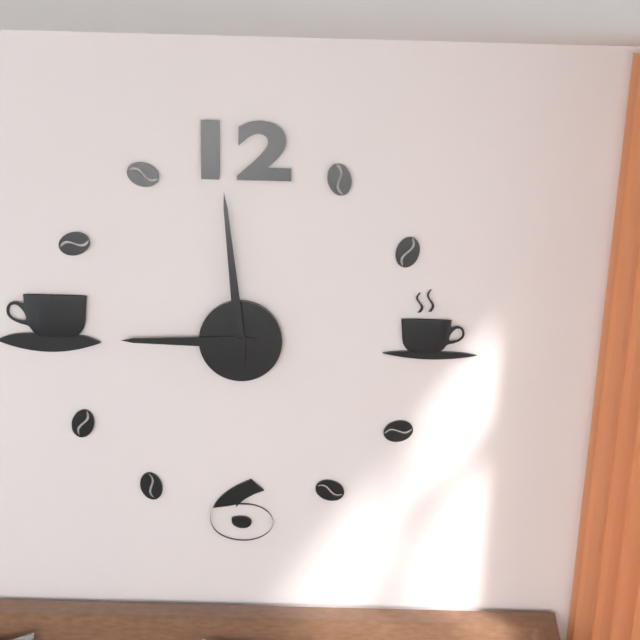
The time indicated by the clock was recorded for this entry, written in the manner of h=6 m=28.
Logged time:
h=8 m=59
